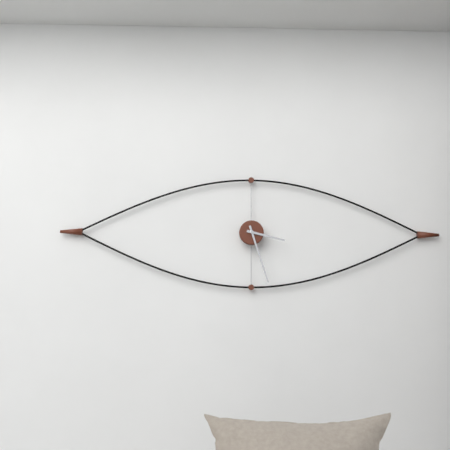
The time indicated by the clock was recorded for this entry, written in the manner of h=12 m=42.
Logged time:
h=3 m=27
